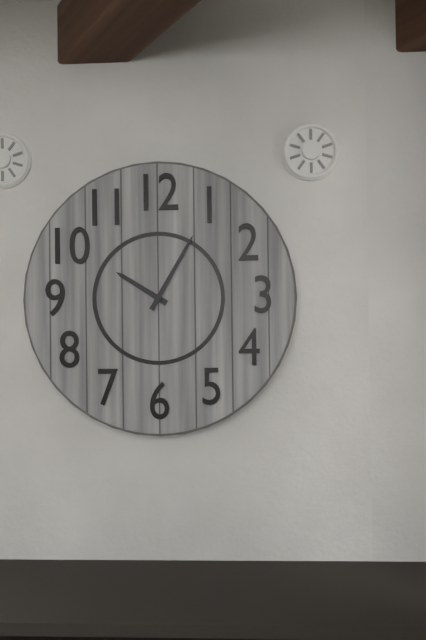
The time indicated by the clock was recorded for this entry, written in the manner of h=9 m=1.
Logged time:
h=10 m=5
